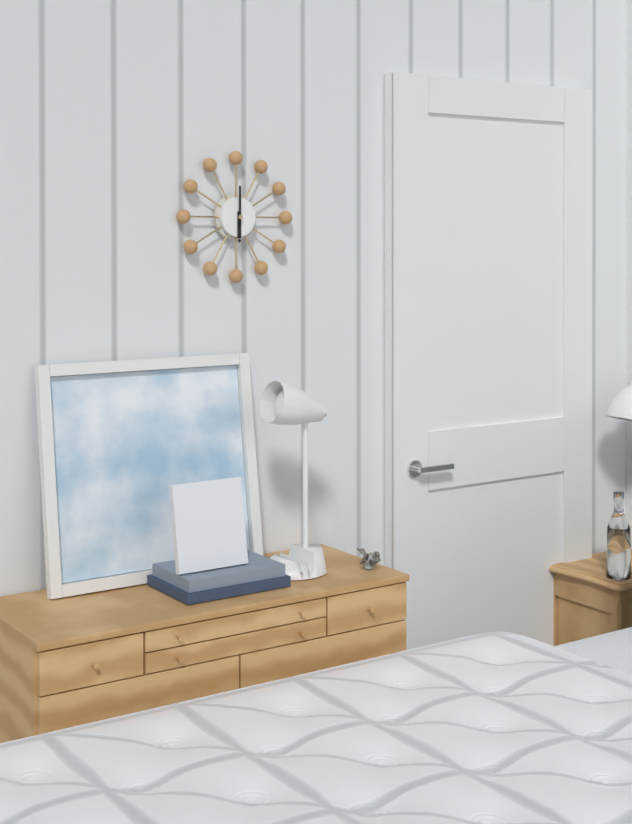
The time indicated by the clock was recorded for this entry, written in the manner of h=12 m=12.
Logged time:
h=6 m=0
